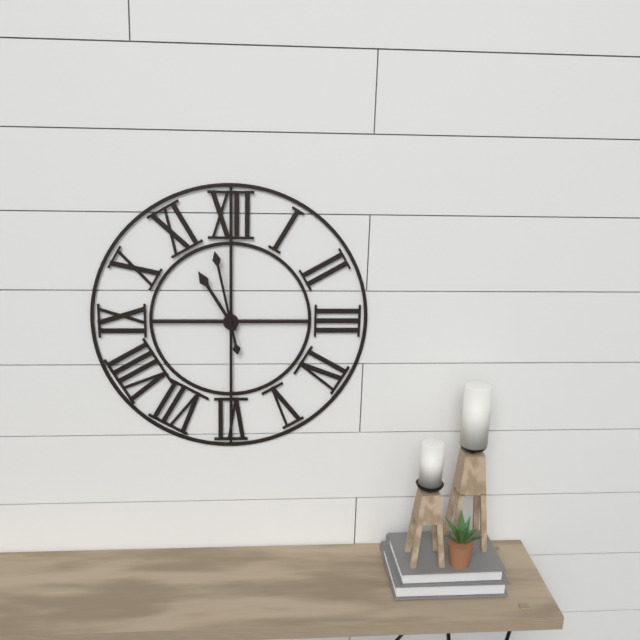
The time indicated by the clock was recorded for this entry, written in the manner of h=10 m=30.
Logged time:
h=10 m=58
